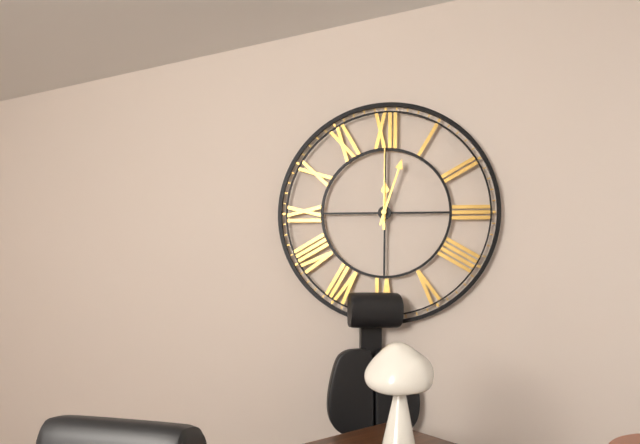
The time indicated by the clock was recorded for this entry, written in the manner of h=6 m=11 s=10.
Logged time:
h=12 m=3 s=0
